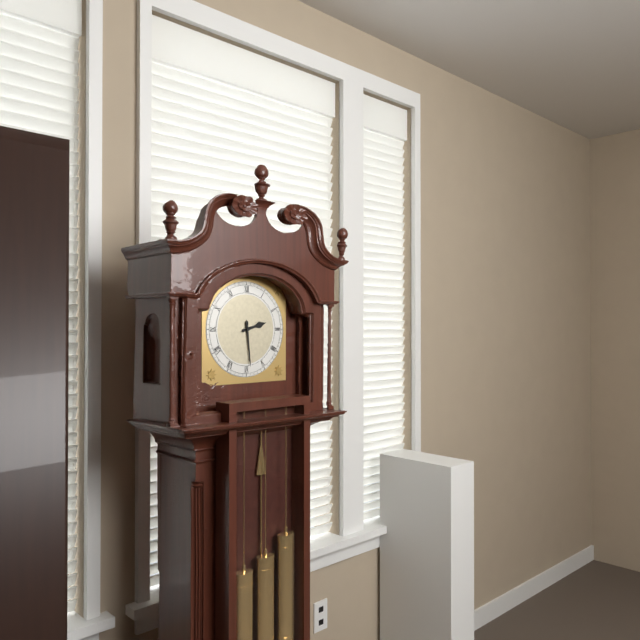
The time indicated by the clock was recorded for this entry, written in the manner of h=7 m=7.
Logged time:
h=2 m=29
